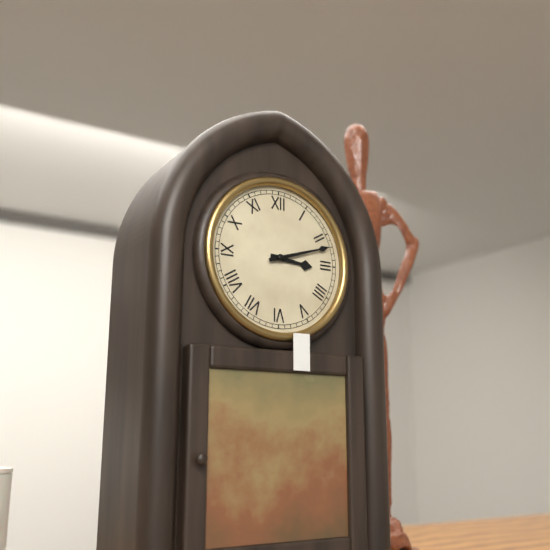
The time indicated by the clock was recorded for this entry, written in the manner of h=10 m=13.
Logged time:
h=3 m=12
